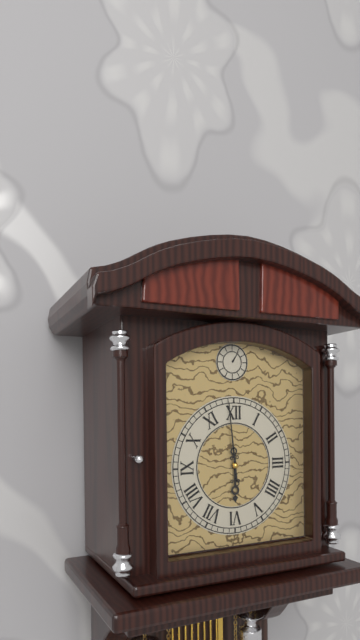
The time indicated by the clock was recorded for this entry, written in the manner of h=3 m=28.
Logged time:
h=5 m=59
